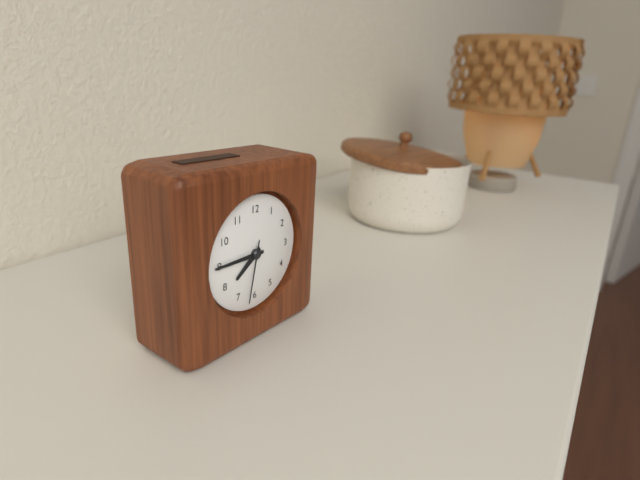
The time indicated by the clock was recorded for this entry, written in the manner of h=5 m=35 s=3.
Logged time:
h=7 m=45 s=32
